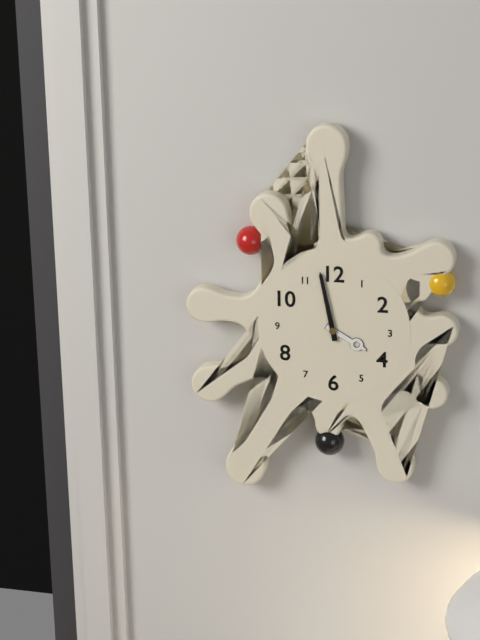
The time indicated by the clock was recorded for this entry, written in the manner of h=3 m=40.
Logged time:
h=3 m=58
